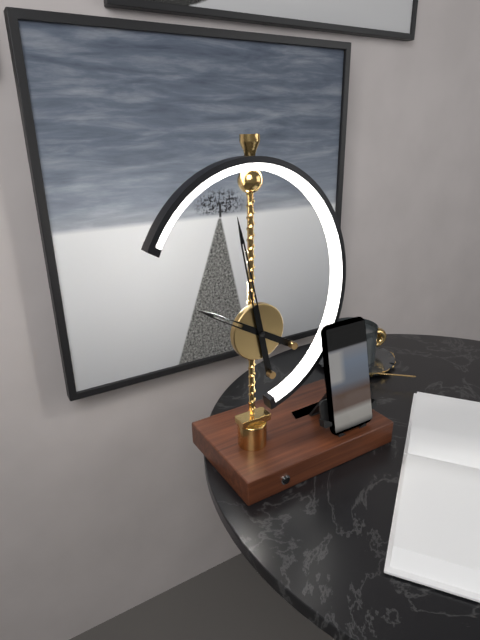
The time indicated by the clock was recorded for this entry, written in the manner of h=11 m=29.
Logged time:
h=9 m=58
